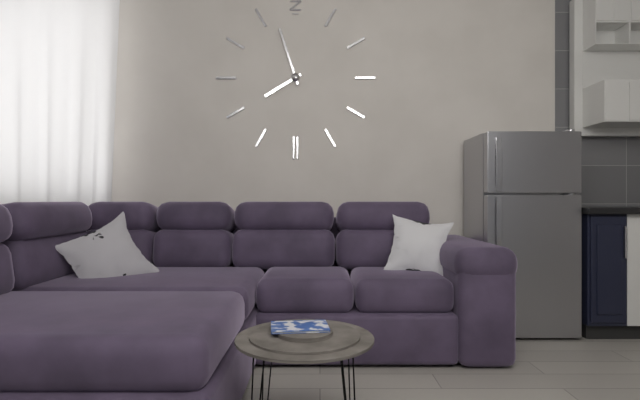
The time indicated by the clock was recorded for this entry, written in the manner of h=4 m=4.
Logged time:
h=7 m=57
